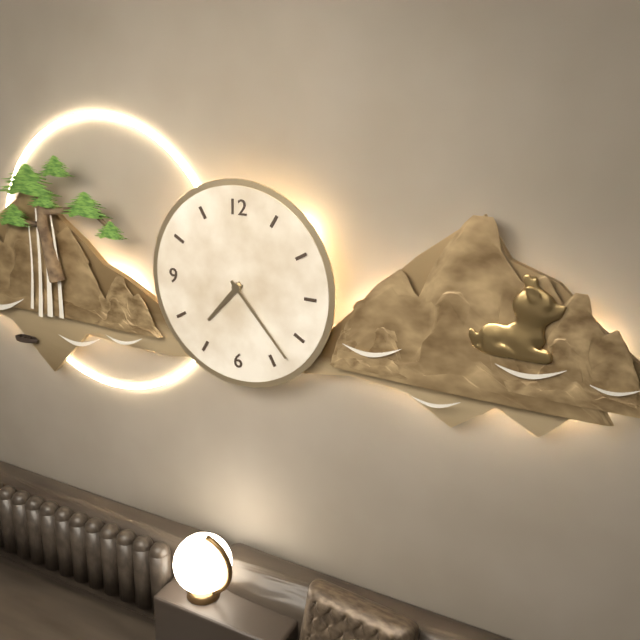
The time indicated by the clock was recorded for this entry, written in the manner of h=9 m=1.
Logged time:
h=7 m=23
